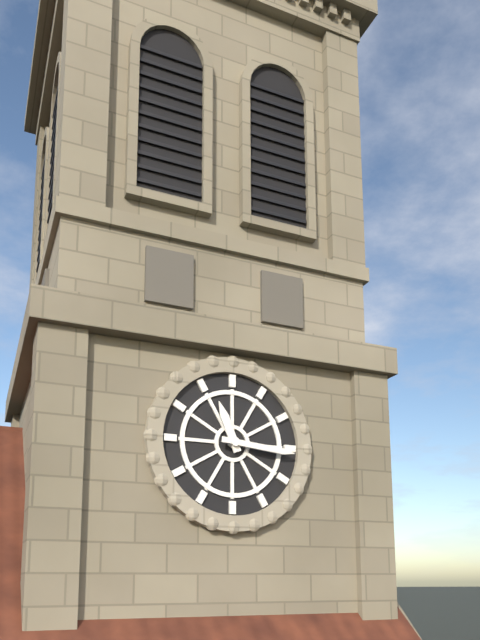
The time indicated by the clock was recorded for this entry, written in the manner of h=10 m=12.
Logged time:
h=11 m=16
